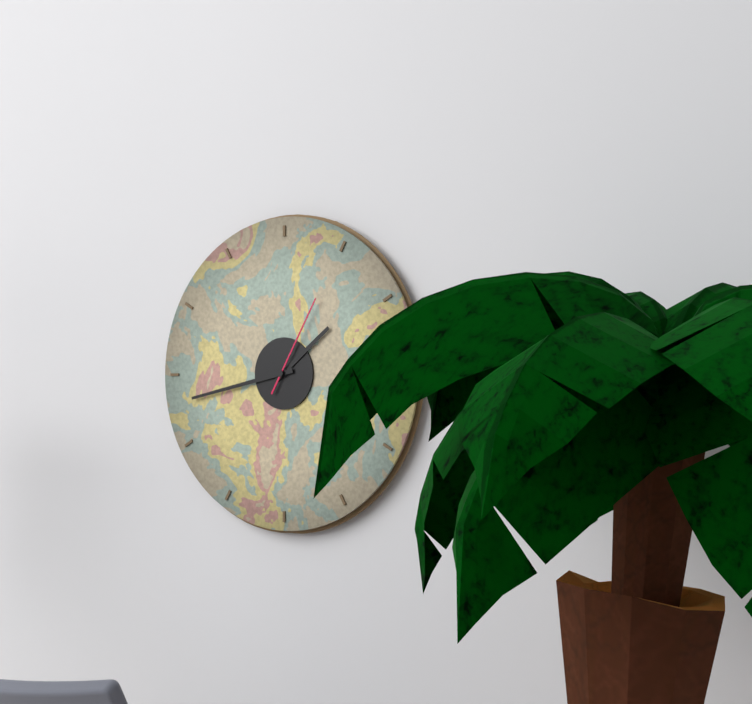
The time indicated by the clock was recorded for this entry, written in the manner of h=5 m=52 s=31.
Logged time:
h=1 m=43 s=5
